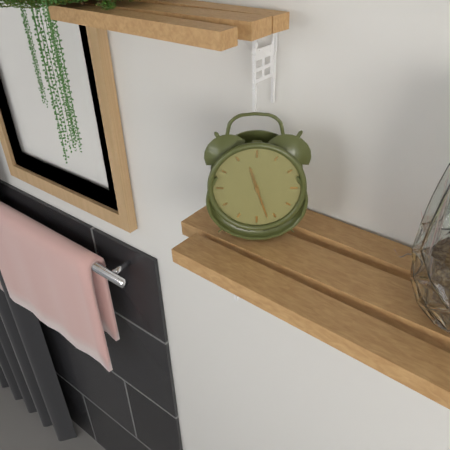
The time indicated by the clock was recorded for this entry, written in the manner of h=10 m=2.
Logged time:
h=11 m=27
